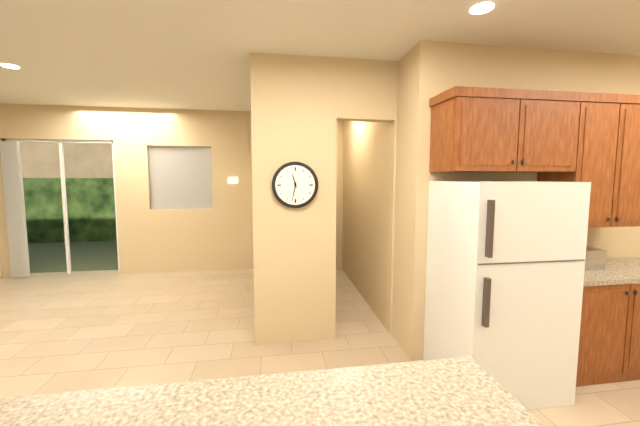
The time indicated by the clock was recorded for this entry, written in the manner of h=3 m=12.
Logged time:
h=11 m=32
